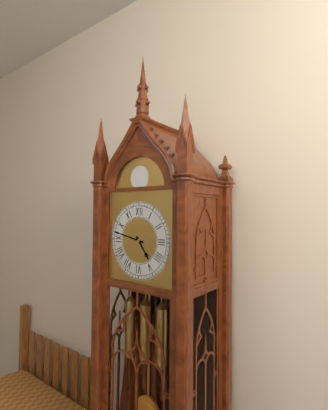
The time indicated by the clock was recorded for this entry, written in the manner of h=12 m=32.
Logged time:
h=4 m=47
